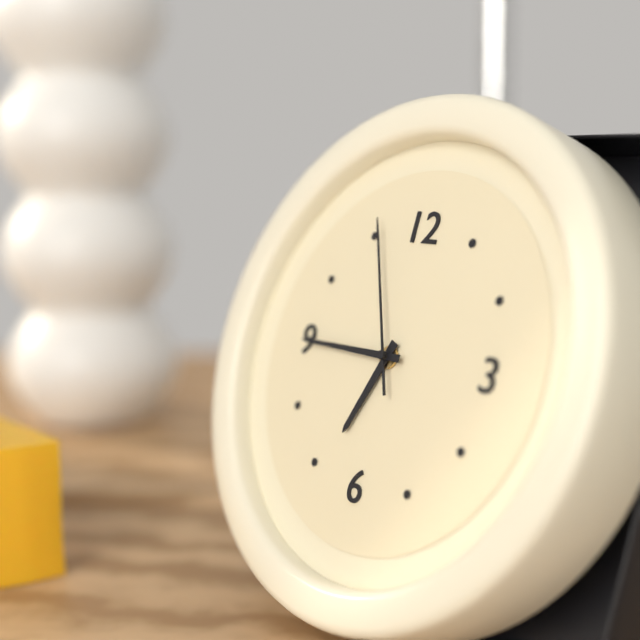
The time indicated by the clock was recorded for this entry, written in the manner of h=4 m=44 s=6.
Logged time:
h=6 m=45 s=56
